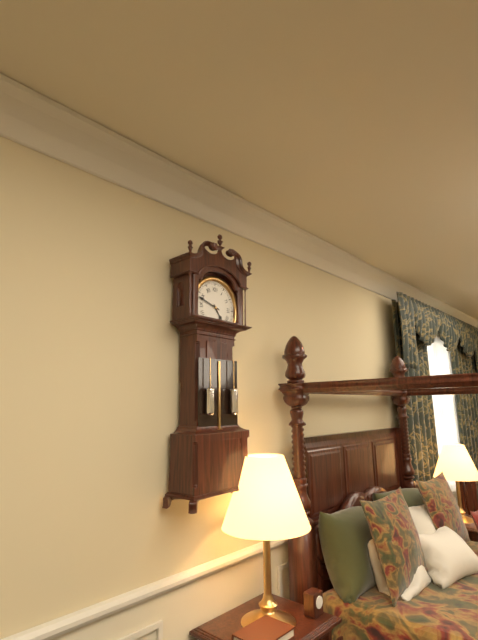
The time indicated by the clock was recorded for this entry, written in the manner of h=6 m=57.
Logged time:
h=4 m=48
